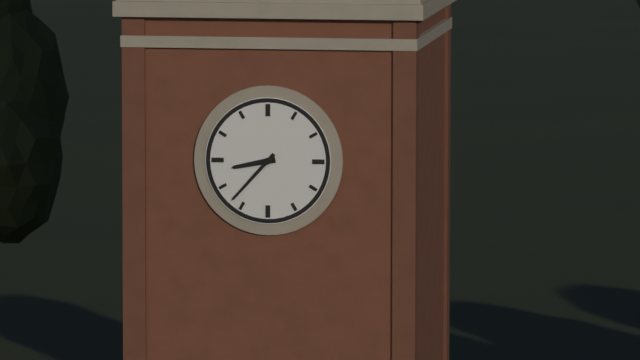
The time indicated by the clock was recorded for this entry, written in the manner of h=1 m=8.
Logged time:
h=8 m=37
